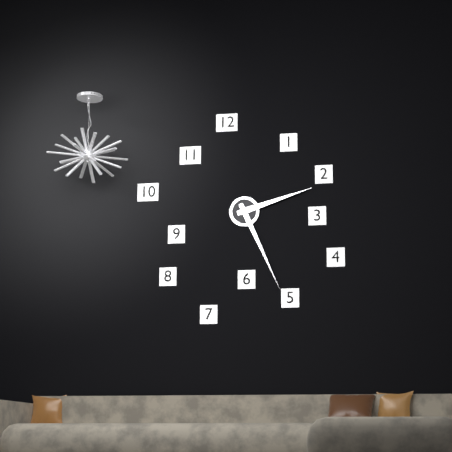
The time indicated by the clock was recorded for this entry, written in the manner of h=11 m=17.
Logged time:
h=2 m=26
